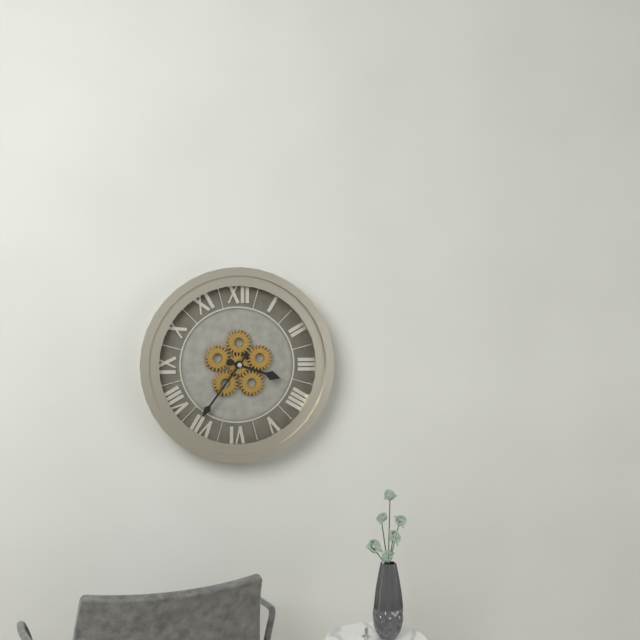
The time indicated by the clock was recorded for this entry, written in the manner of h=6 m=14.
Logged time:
h=3 m=36
